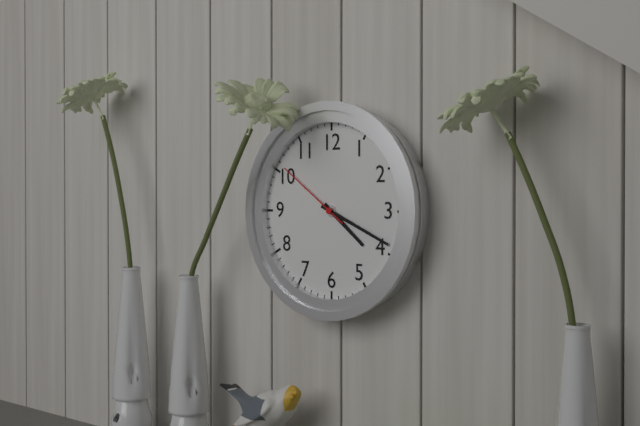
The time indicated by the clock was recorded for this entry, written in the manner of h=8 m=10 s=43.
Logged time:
h=4 m=19 s=51
